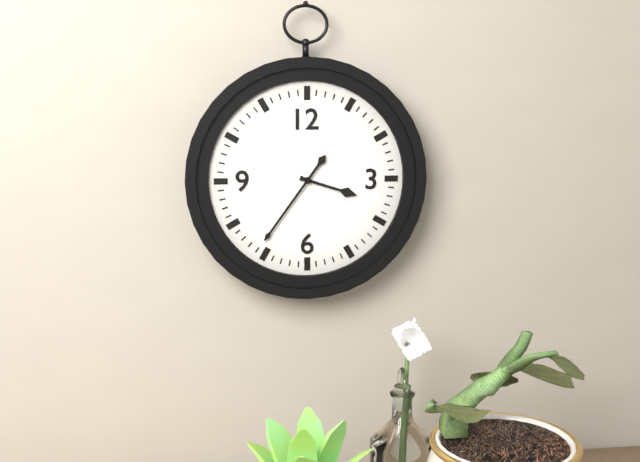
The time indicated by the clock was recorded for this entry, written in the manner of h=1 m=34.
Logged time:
h=3 m=36
